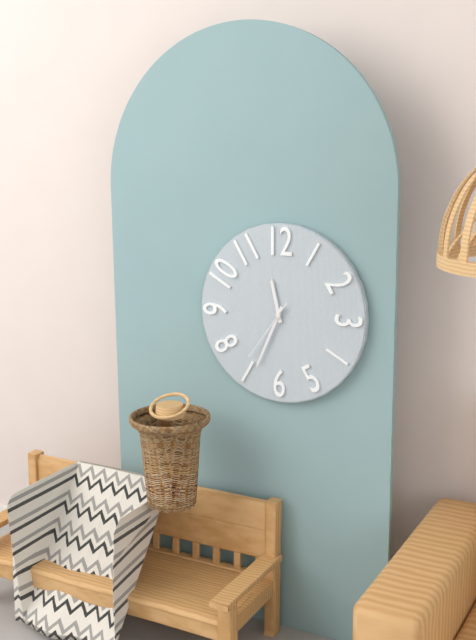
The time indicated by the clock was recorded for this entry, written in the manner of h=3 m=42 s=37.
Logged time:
h=11 m=34 s=36
